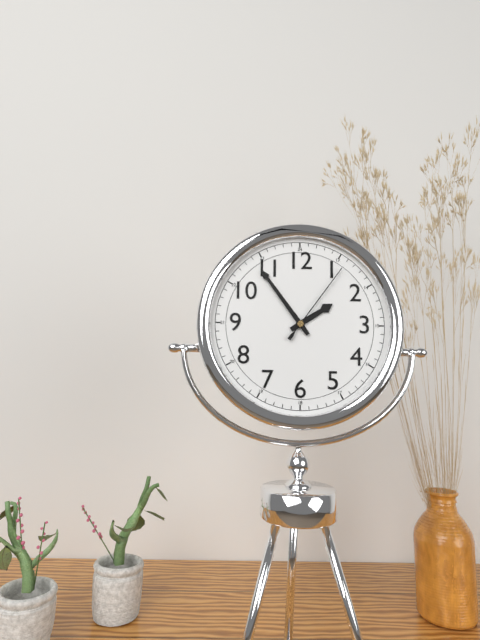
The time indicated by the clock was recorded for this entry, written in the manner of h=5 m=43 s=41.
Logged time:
h=1 m=54 s=6
